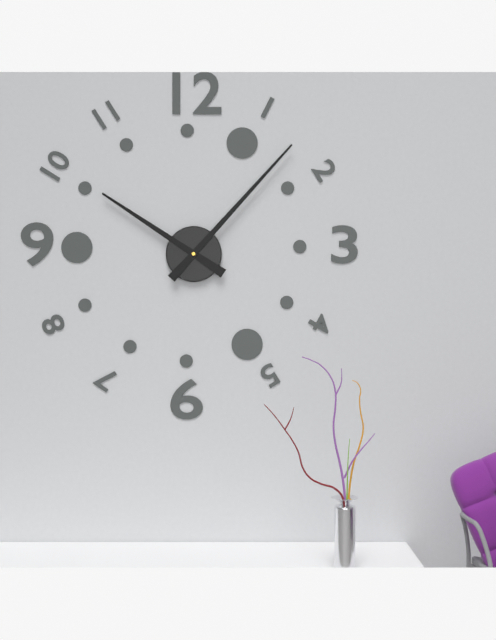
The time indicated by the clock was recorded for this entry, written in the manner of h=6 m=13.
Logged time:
h=10 m=7
